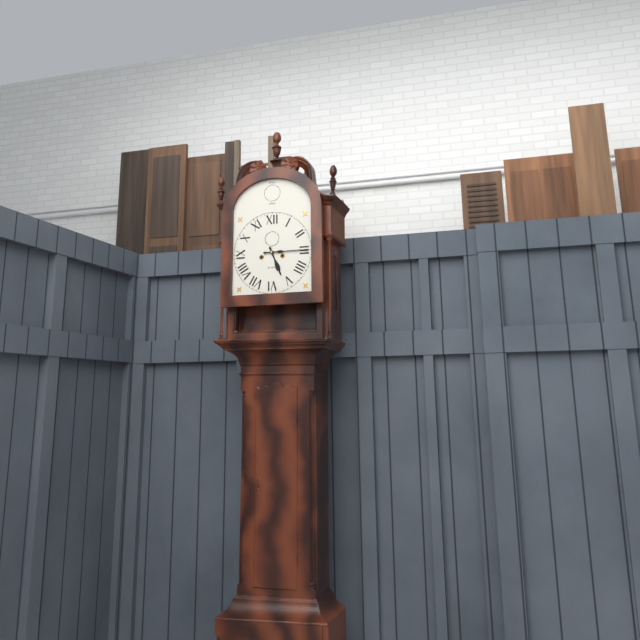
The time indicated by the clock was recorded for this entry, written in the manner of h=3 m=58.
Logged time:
h=5 m=15
